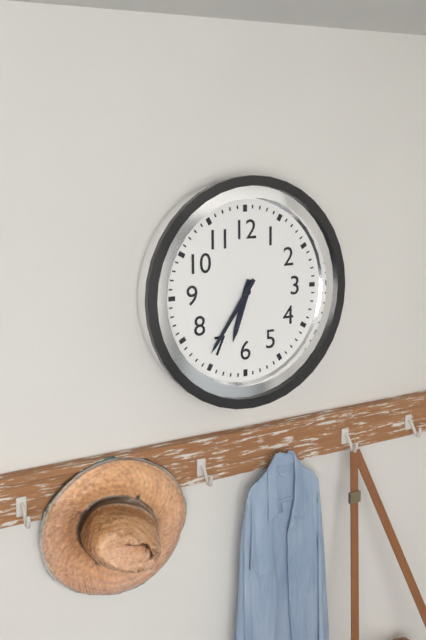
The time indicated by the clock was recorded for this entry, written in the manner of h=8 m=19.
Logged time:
h=6 m=36
